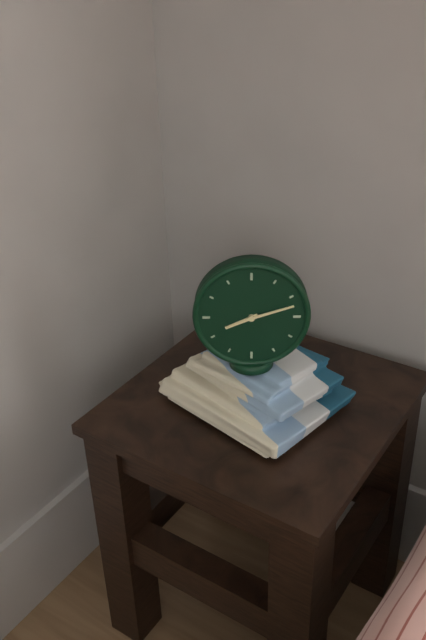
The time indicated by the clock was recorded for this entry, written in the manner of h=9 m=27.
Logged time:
h=8 m=12
